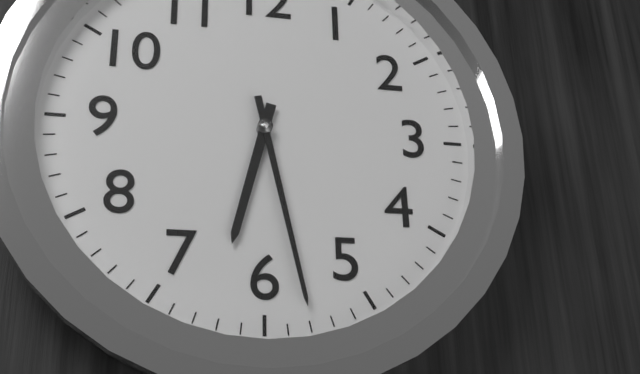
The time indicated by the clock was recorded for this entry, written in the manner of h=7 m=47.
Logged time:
h=6 m=28
